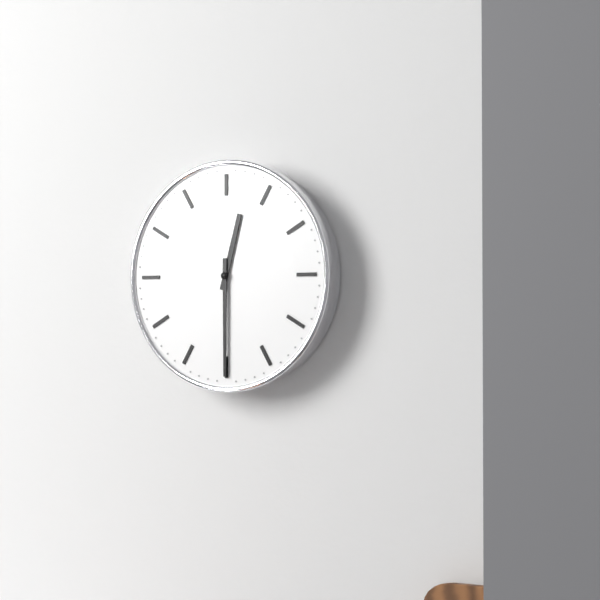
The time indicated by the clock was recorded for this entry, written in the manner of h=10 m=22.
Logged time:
h=12 m=30
